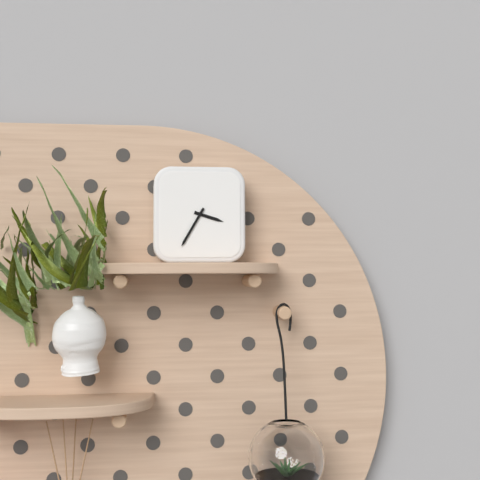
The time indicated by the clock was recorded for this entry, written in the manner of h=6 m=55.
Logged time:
h=3 m=35
